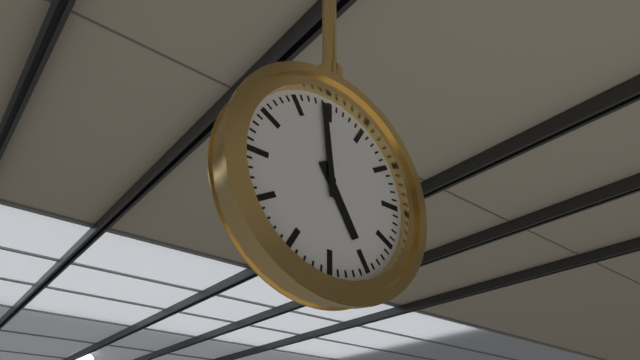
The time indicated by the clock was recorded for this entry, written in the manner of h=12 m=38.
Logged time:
h=4 m=59
